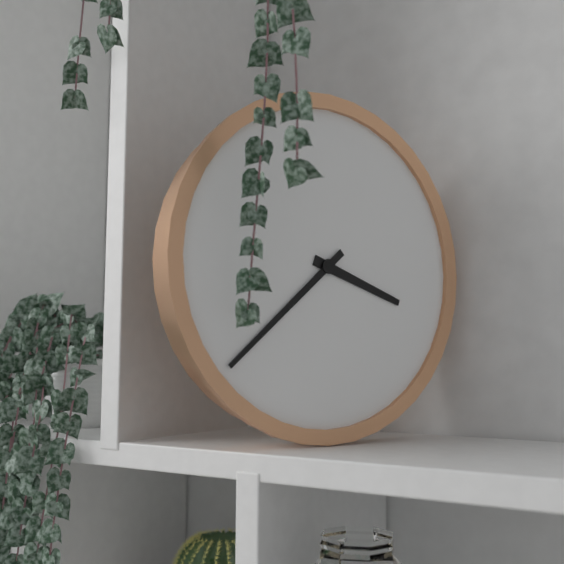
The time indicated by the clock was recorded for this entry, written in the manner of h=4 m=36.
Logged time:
h=3 m=38
